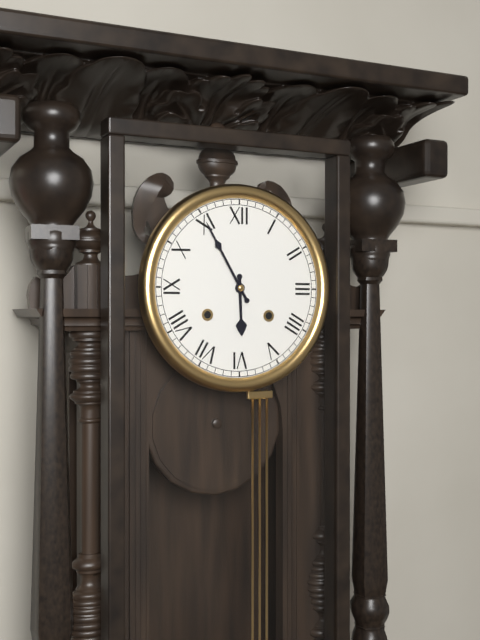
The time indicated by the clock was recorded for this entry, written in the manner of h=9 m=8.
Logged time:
h=5 m=55
